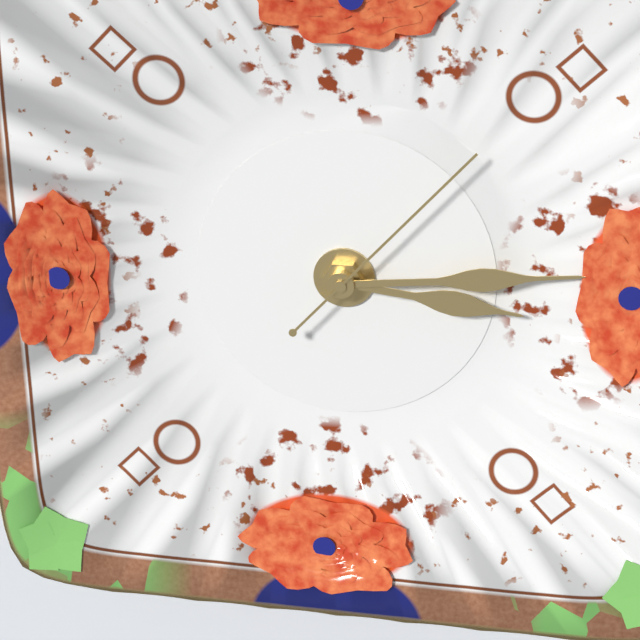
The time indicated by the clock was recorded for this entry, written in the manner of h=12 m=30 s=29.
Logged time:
h=3 m=14 s=7
